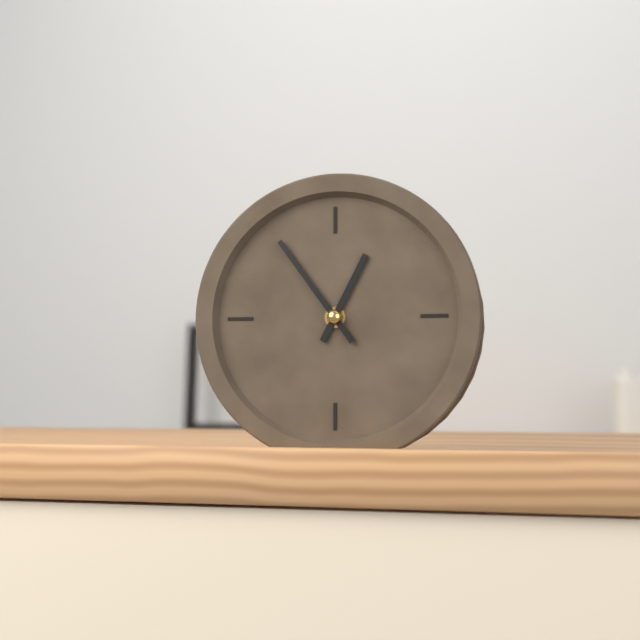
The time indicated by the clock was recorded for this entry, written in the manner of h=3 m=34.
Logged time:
h=12 m=54
